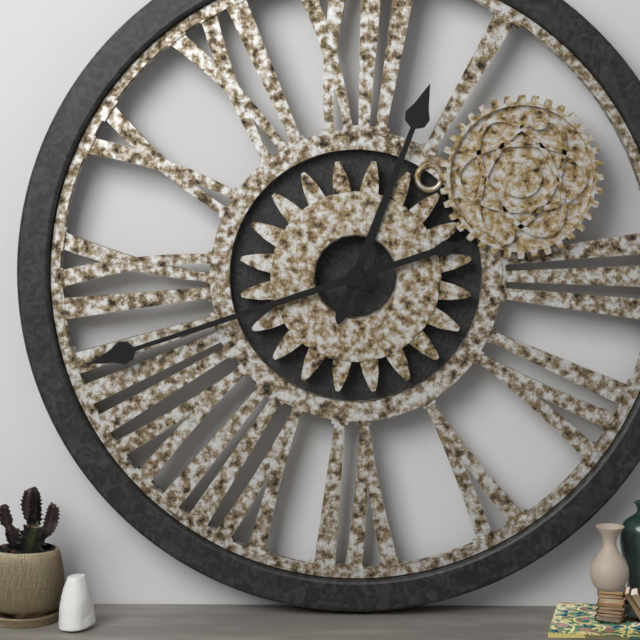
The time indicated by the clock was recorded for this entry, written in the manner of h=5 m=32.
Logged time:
h=12 m=42
